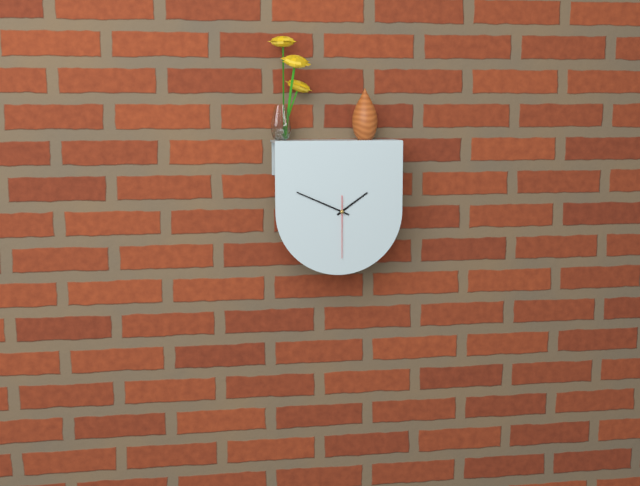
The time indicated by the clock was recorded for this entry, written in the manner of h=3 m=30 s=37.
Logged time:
h=1 m=49 s=30
